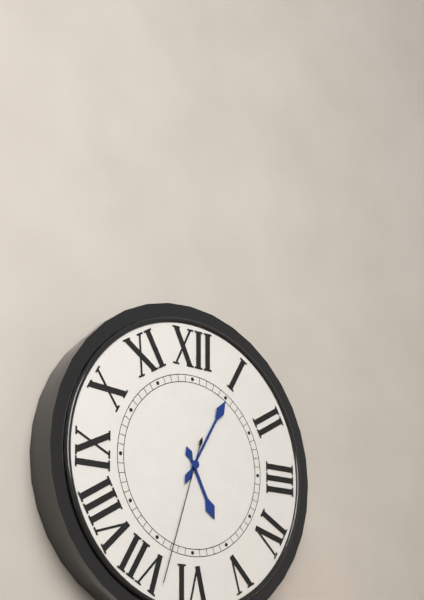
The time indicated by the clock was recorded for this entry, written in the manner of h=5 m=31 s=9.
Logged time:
h=5 m=5 s=33
